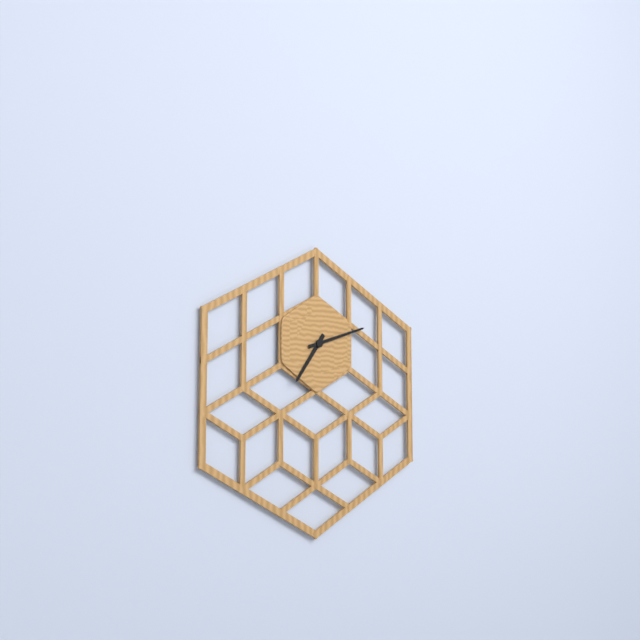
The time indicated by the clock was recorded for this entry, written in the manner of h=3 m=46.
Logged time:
h=7 m=12
